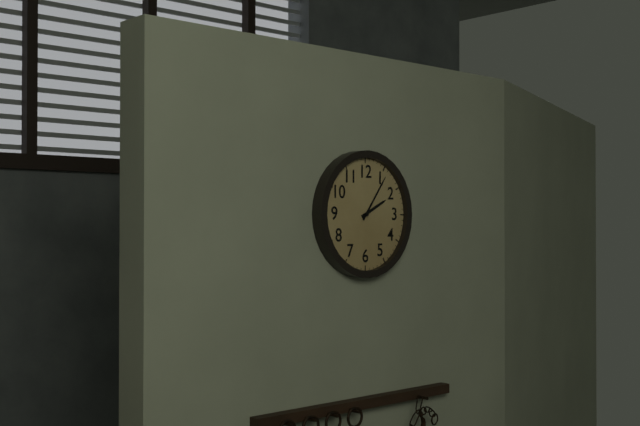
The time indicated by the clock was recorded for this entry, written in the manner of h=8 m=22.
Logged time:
h=2 m=6
